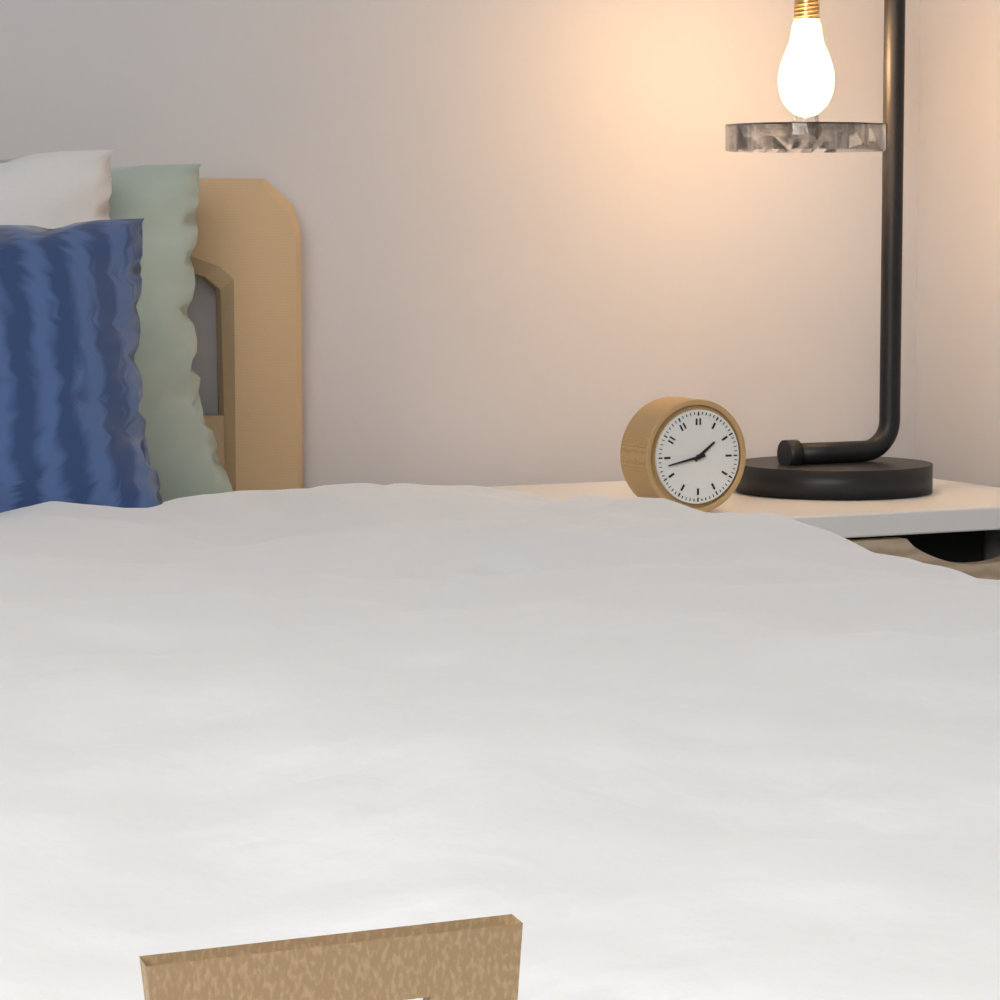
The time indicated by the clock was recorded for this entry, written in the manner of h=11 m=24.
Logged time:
h=1 m=43
